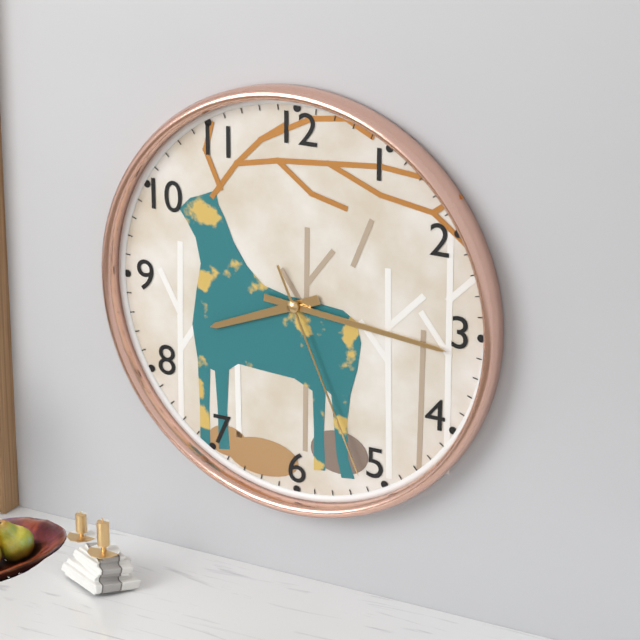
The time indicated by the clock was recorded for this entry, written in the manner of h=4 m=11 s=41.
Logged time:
h=8 m=16 s=26
